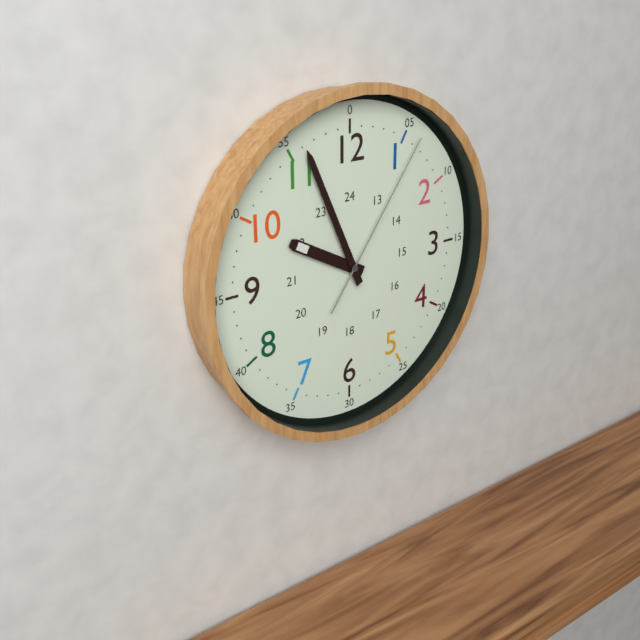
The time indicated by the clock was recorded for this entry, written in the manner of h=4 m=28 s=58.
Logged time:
h=9 m=56 s=6
